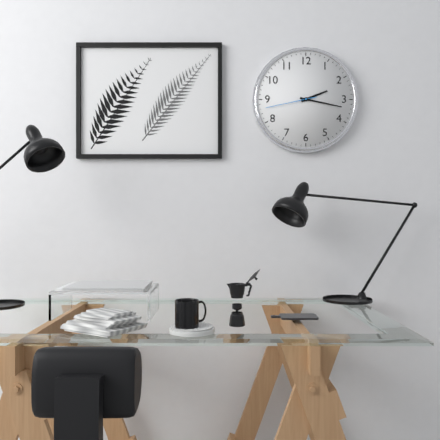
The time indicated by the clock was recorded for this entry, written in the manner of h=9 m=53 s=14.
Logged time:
h=2 m=17 s=43
